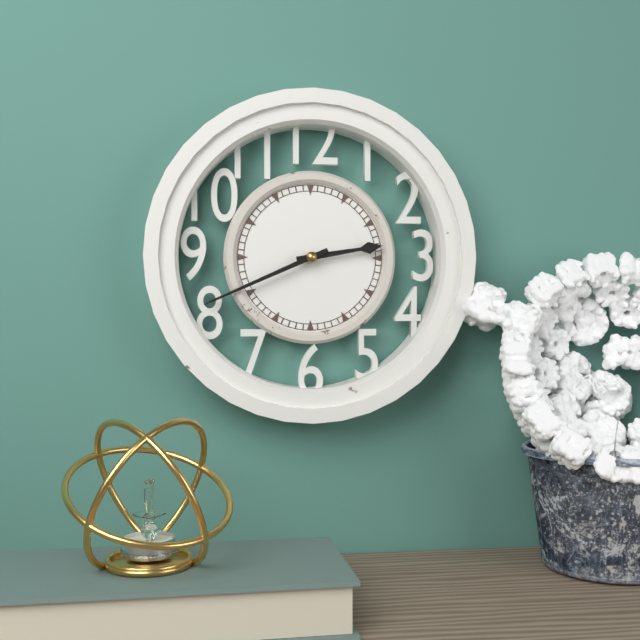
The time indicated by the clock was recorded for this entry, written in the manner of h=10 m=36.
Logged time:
h=2 m=41
